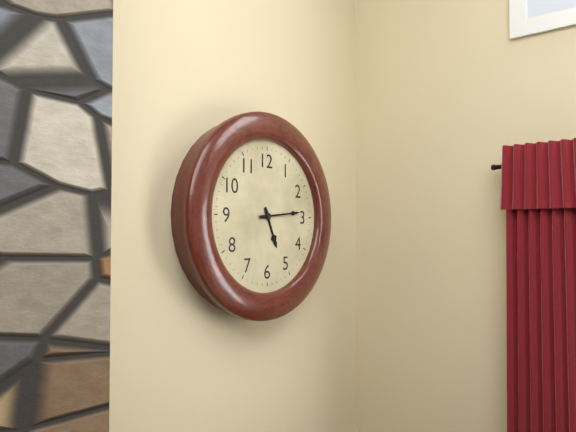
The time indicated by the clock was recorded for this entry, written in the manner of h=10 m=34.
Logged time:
h=5 m=14
